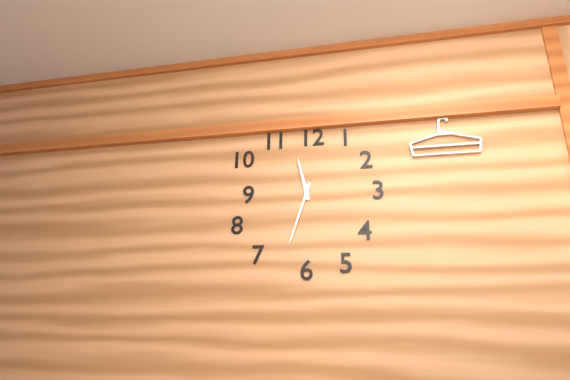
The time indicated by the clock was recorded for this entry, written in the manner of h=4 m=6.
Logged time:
h=11 m=33
